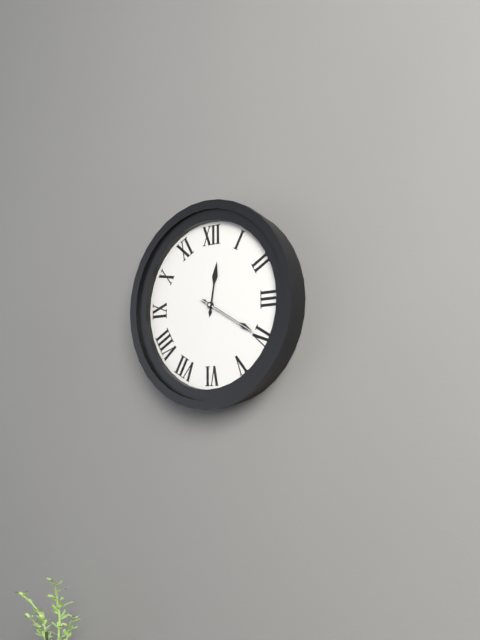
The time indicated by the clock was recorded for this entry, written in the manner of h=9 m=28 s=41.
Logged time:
h=12 m=20 s=20
